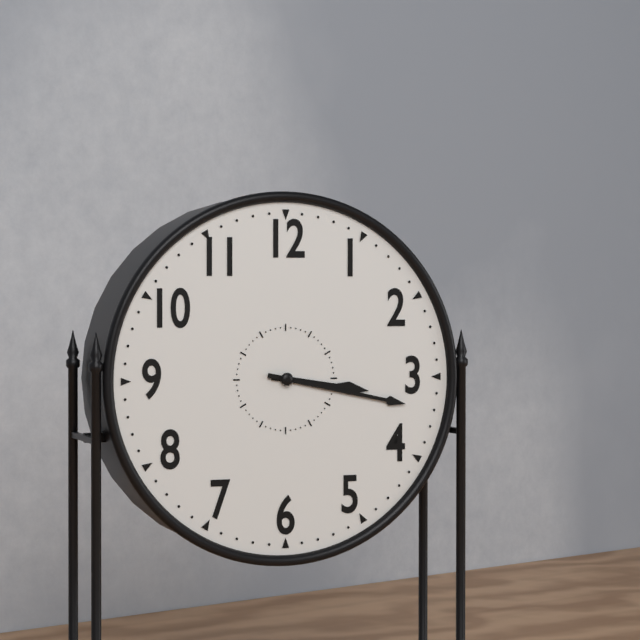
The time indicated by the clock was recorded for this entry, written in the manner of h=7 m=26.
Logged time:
h=3 m=17
